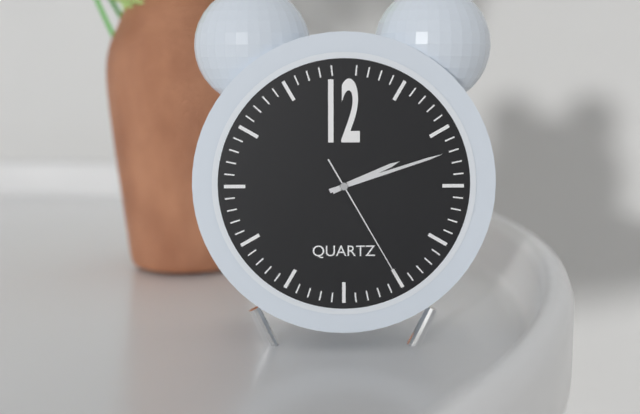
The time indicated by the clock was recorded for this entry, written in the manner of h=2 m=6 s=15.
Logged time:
h=2 m=12 s=25
